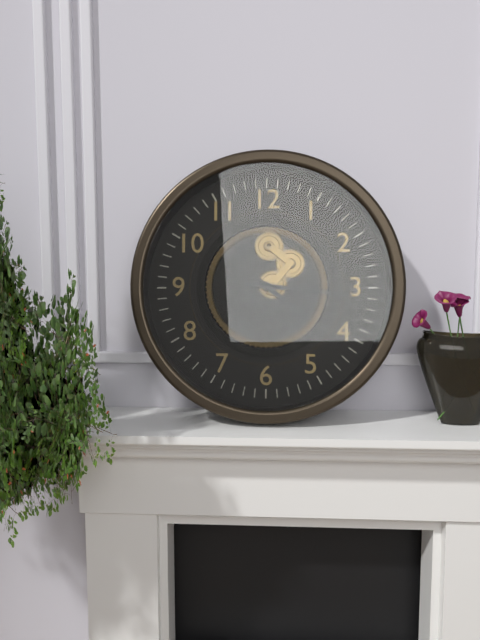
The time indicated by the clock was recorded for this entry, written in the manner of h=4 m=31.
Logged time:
h=4 m=16
